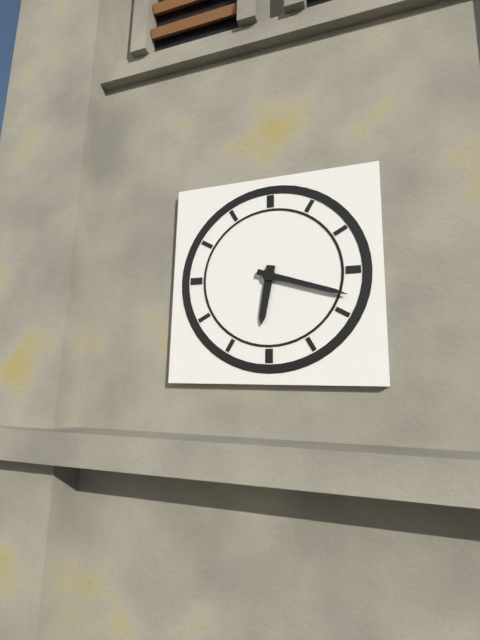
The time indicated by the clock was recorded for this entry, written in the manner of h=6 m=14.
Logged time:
h=6 m=18
